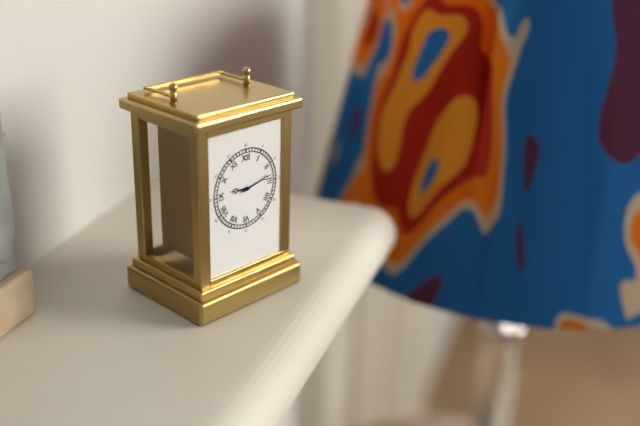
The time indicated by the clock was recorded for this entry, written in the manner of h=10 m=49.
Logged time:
h=9 m=13
